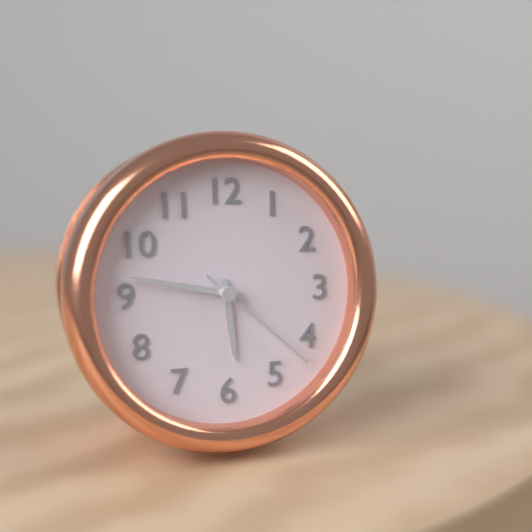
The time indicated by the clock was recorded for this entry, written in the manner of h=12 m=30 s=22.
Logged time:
h=5 m=47 s=22
